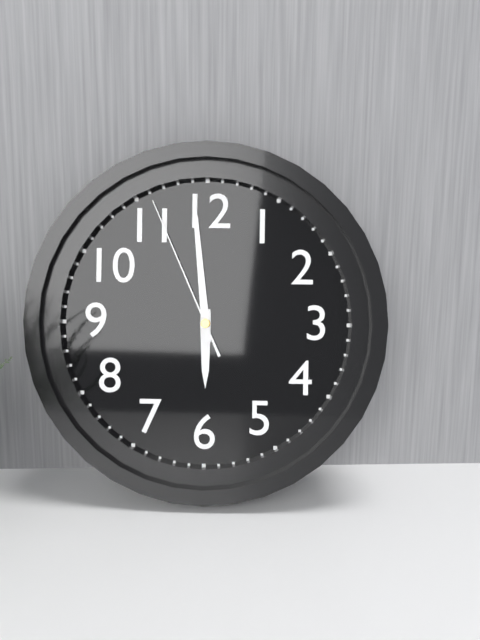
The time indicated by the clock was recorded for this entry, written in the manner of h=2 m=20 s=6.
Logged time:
h=5 m=59 s=56
